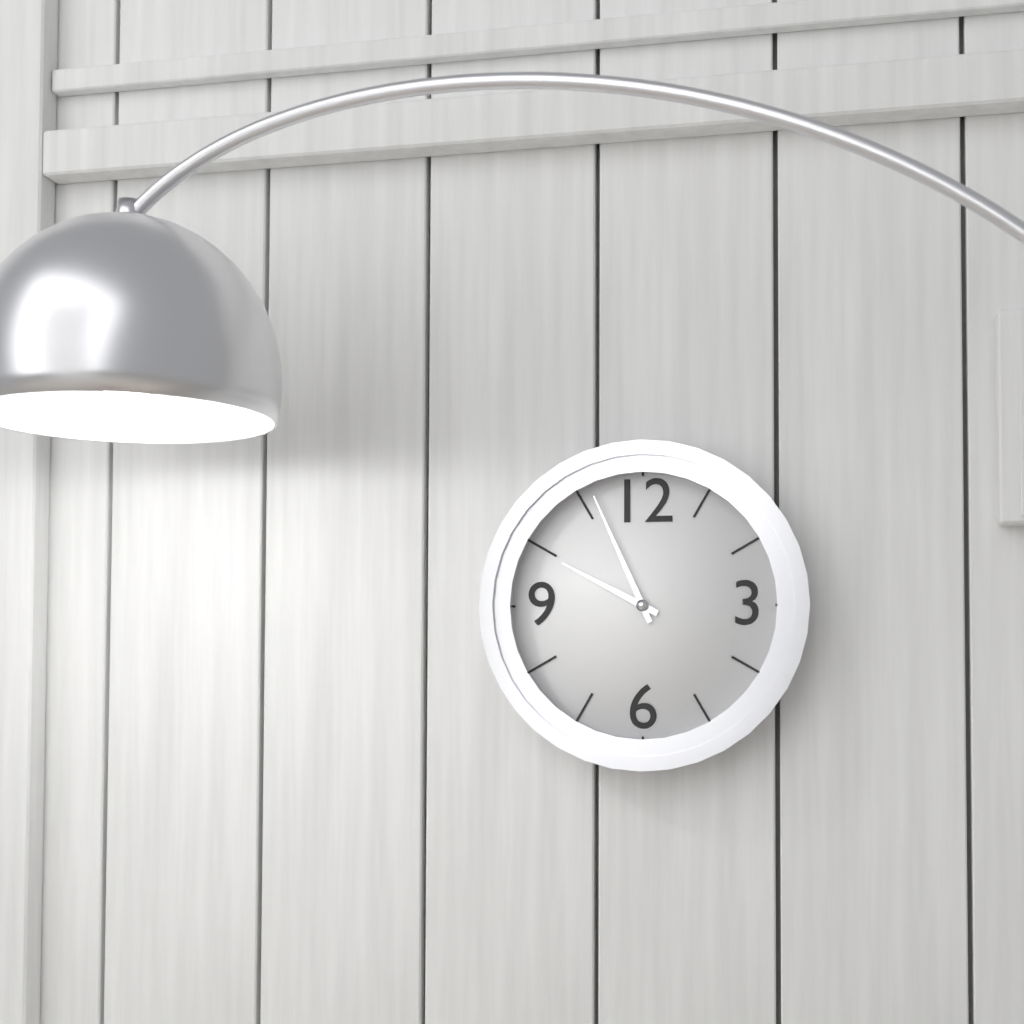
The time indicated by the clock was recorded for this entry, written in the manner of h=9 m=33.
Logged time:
h=9 m=56
